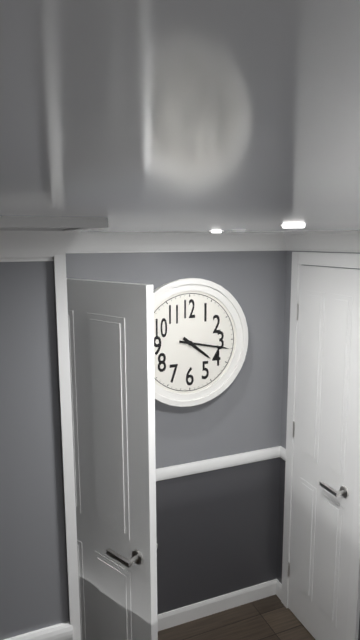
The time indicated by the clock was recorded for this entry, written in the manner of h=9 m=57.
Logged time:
h=4 m=17
